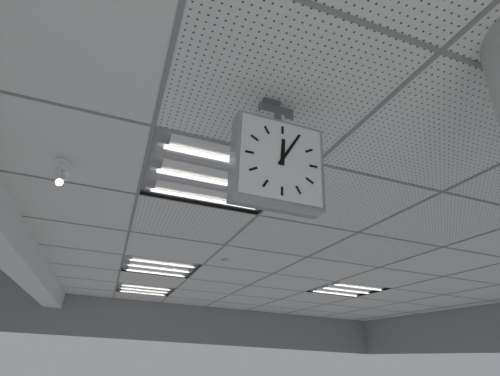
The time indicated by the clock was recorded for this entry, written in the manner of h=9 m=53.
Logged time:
h=12 m=5
